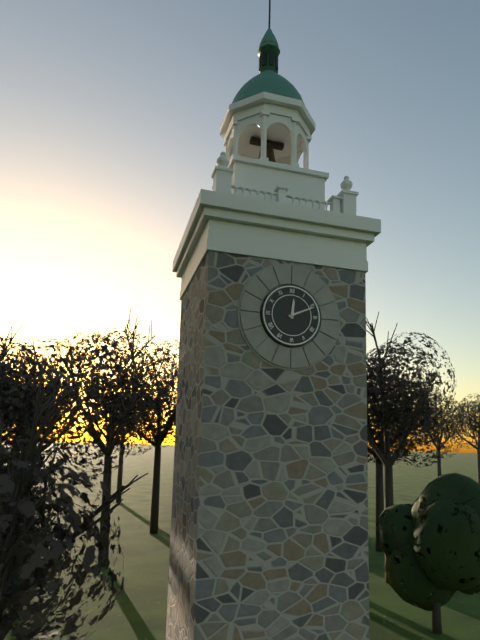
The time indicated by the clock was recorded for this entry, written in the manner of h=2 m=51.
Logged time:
h=12 m=11
